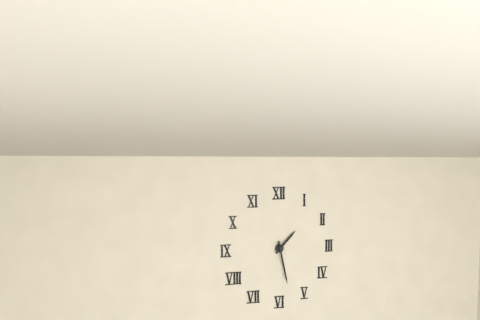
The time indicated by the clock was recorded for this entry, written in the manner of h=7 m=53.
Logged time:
h=1 m=28
